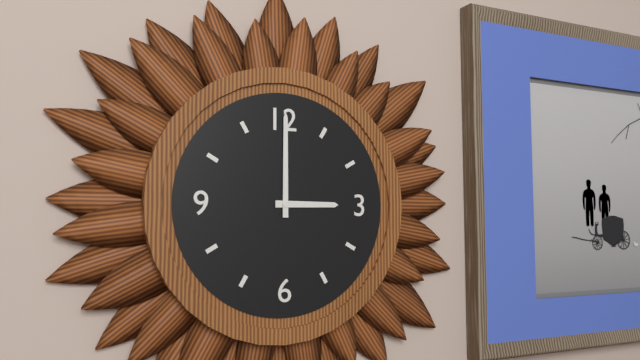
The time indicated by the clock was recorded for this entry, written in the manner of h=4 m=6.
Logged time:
h=3 m=0
